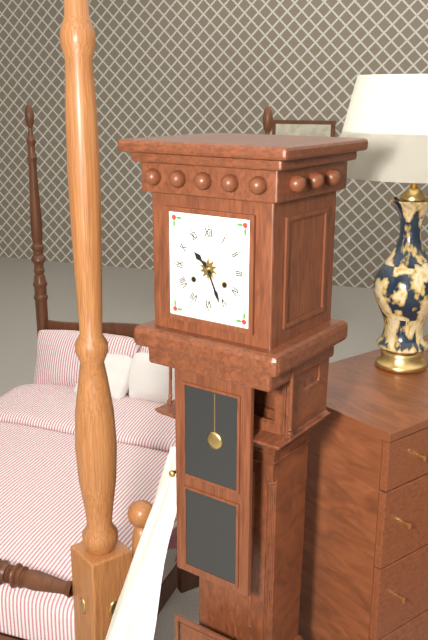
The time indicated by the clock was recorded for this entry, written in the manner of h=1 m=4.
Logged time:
h=10 m=26
